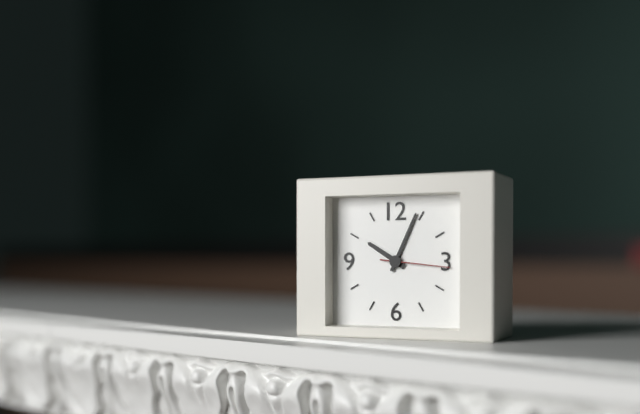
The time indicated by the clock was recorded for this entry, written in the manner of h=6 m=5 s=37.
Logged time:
h=10 m=4 s=16
